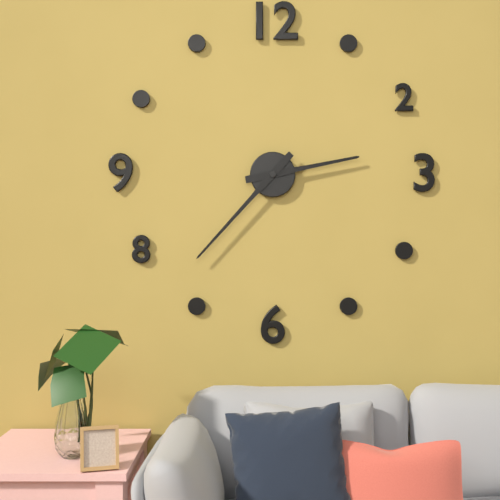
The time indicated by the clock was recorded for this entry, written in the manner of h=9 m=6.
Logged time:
h=2 m=37
